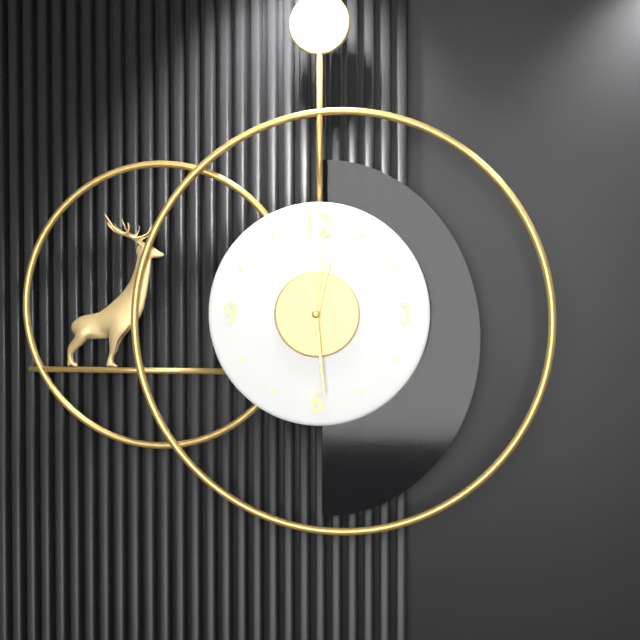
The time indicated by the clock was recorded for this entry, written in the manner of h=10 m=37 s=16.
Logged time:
h=12 m=29 s=1
